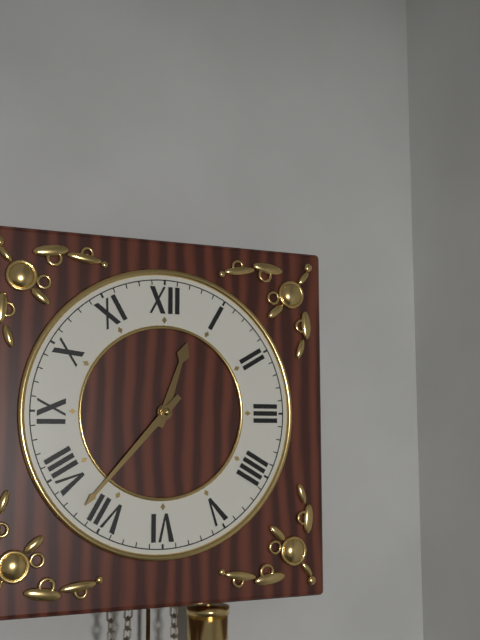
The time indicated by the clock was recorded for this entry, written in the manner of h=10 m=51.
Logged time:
h=12 m=37
